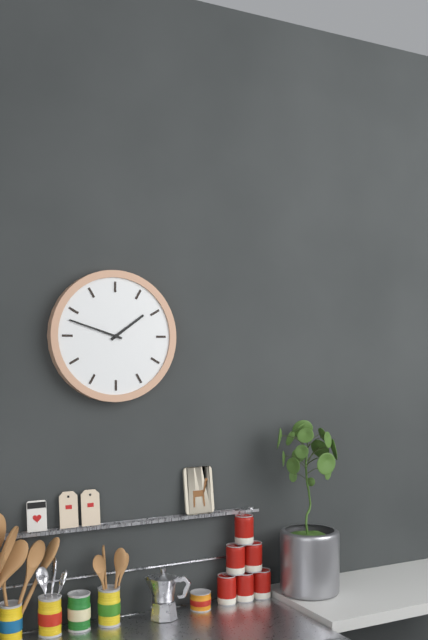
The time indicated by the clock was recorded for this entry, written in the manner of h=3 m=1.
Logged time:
h=1 m=48
